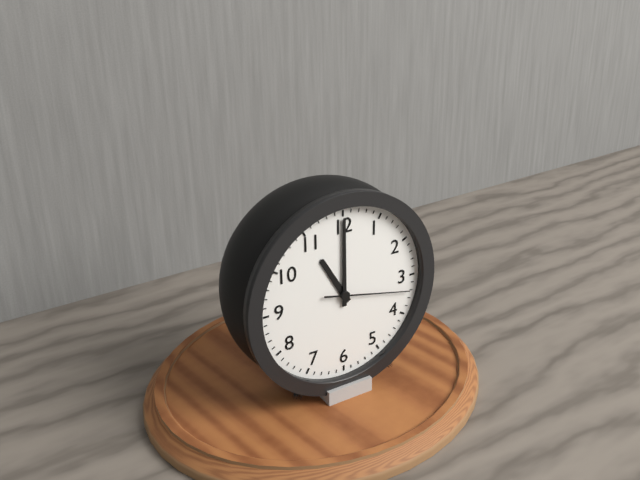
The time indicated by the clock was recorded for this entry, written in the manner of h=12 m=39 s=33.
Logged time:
h=11 m=0 s=17
